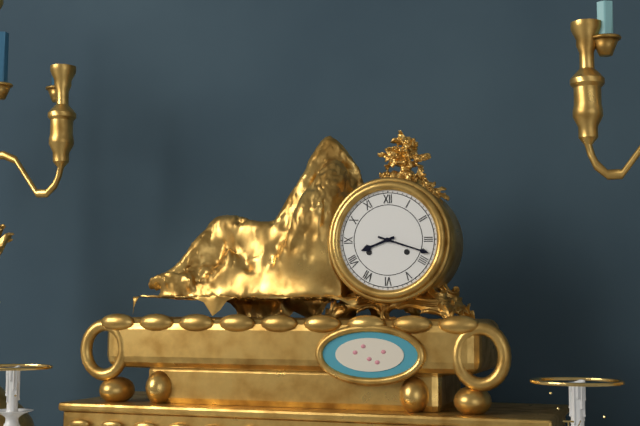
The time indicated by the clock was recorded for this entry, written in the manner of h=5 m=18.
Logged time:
h=8 m=18
